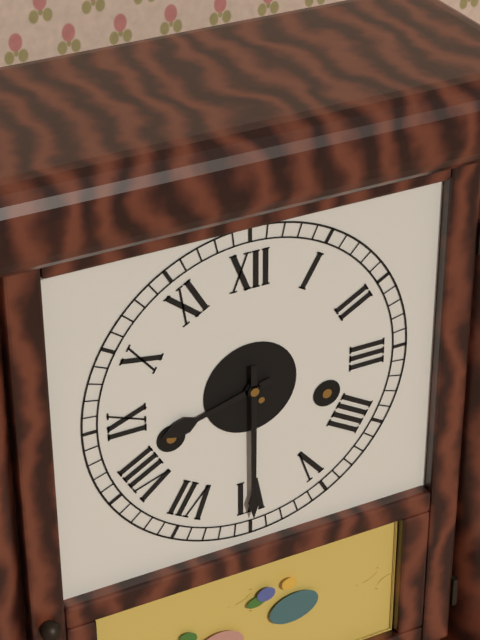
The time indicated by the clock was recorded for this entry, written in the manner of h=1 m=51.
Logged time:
h=8 m=30
